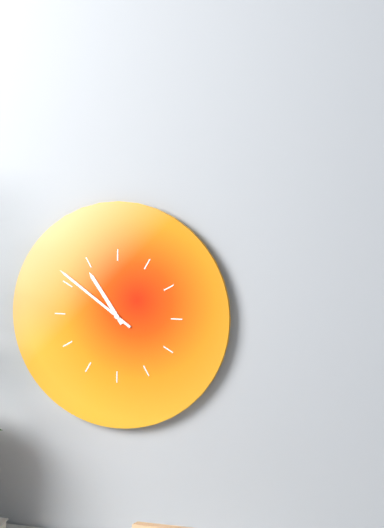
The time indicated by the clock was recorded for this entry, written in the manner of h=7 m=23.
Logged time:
h=10 m=51
